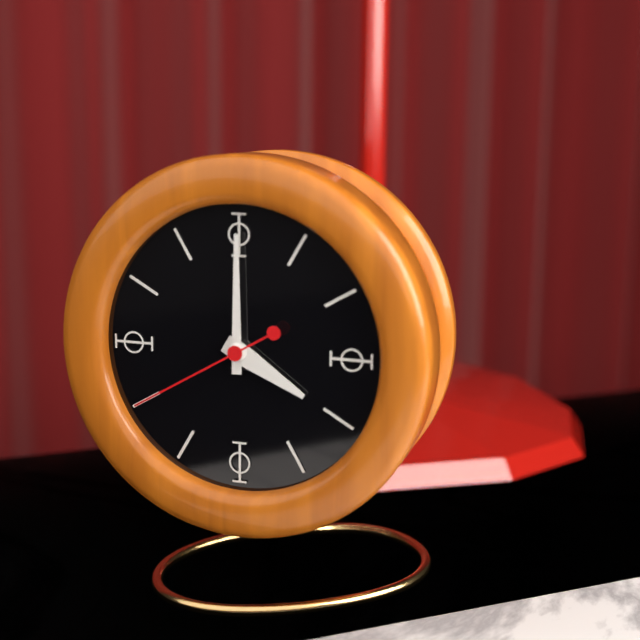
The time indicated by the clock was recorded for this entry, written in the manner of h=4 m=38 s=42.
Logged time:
h=4 m=0 s=40
